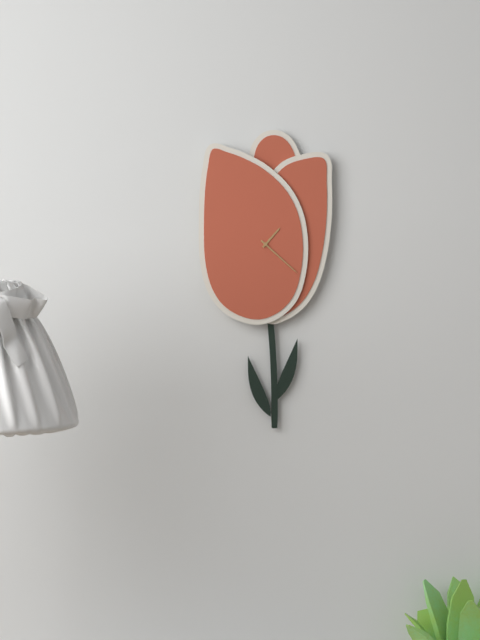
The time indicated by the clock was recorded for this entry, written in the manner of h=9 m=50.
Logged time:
h=1 m=22
